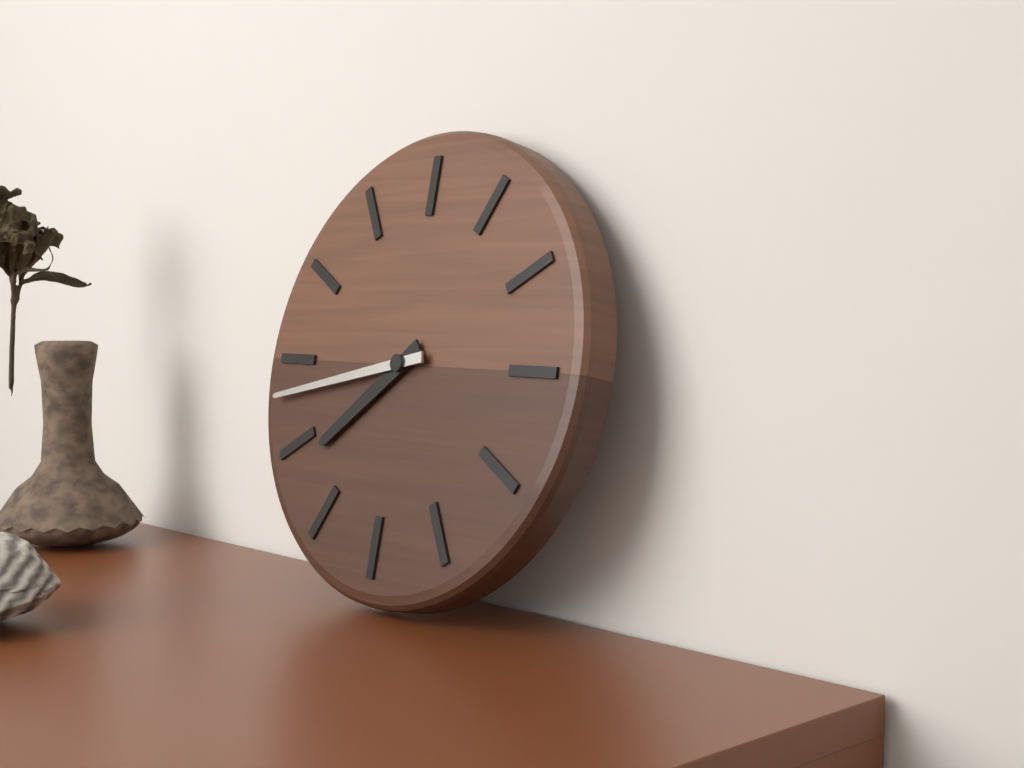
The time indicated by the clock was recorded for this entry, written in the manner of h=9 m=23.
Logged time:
h=7 m=43
